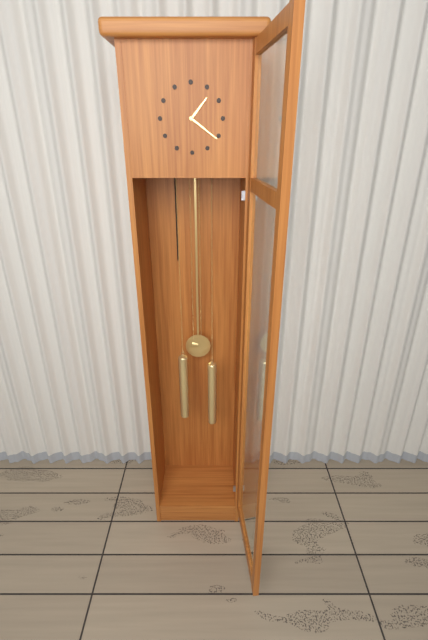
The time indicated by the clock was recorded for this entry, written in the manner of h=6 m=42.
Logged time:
h=1 m=21
